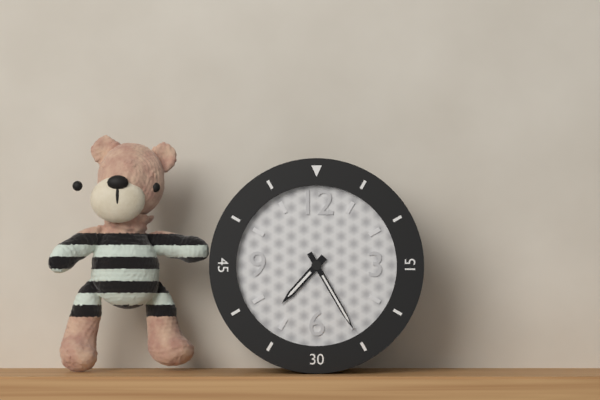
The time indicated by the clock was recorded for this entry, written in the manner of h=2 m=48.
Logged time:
h=7 m=25
